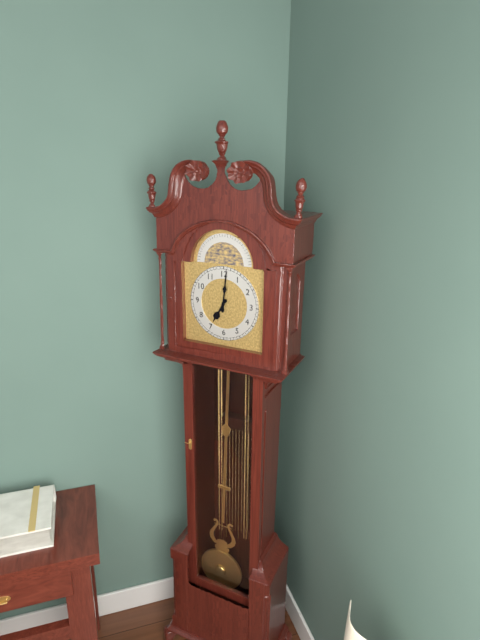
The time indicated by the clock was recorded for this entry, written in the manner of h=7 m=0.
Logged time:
h=7 m=1
